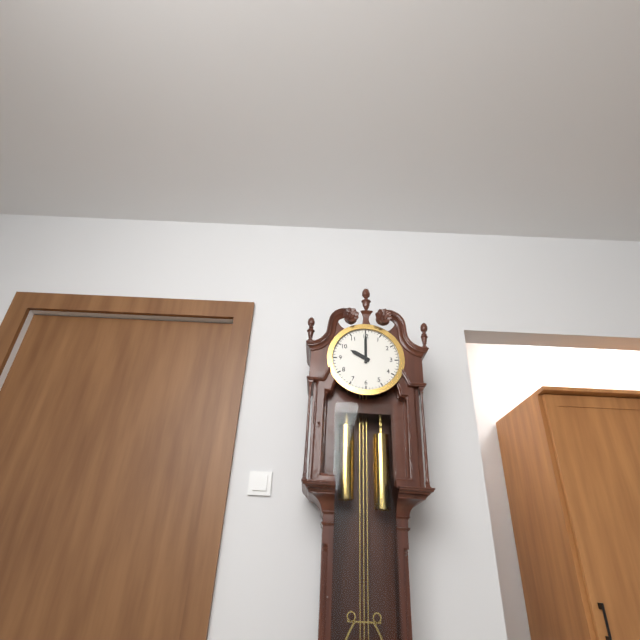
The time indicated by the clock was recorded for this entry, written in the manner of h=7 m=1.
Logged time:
h=10 m=0
